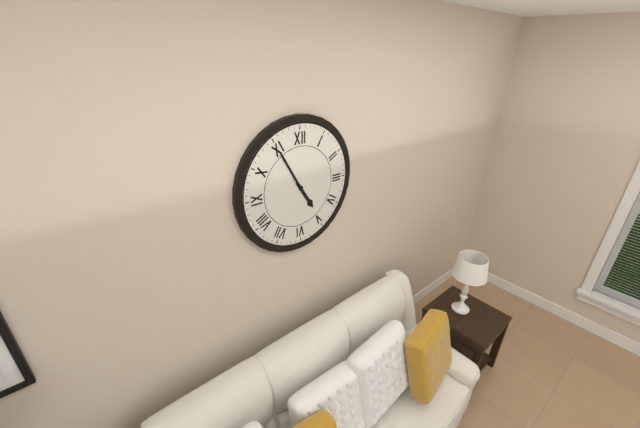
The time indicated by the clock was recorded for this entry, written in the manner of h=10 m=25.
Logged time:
h=4 m=55
